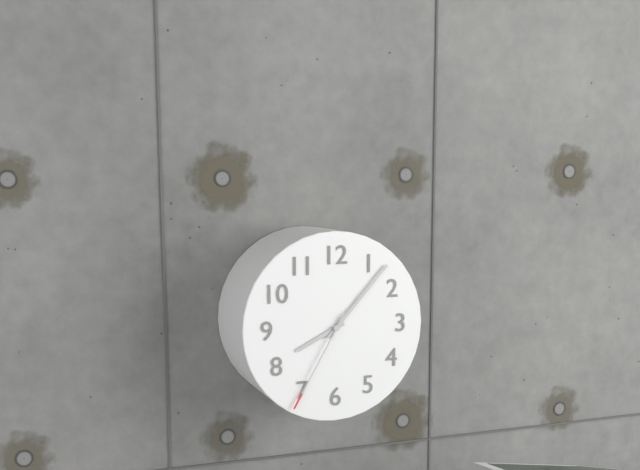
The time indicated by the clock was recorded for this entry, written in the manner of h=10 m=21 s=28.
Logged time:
h=8 m=7 s=35
